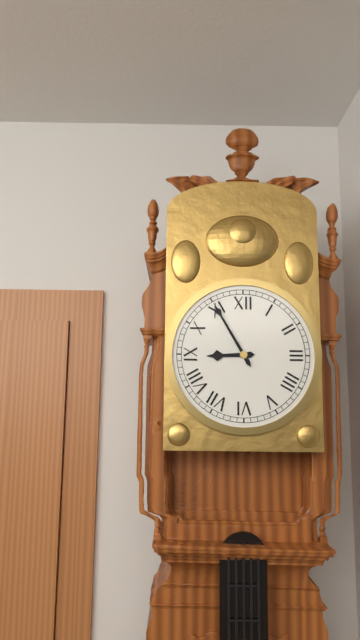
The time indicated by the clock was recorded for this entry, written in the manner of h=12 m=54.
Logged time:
h=8 m=55
